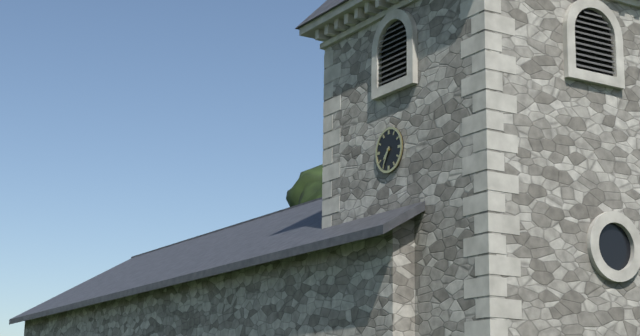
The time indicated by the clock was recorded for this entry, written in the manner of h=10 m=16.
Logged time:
h=7 m=35
